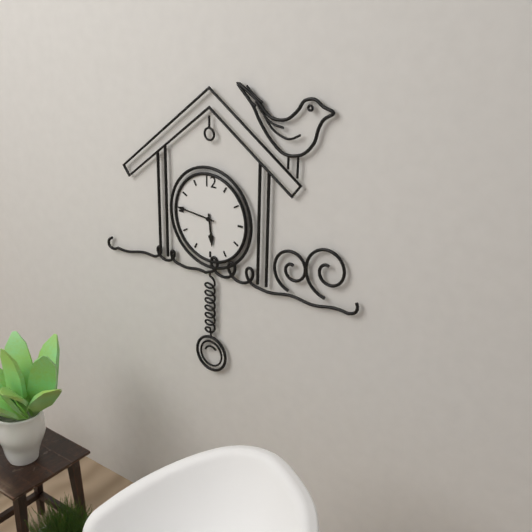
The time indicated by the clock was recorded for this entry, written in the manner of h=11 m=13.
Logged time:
h=5 m=46
